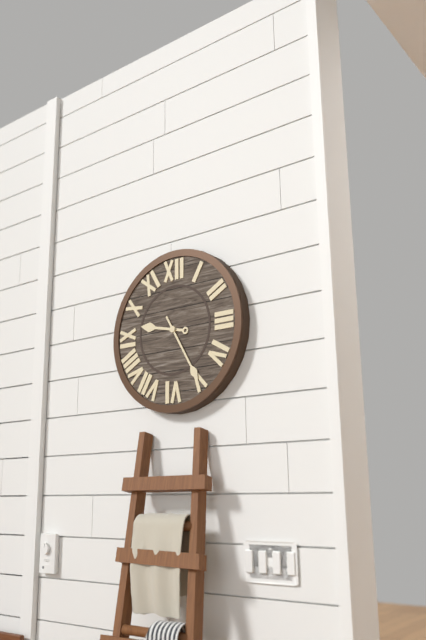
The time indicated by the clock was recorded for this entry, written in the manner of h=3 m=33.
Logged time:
h=9 m=25
